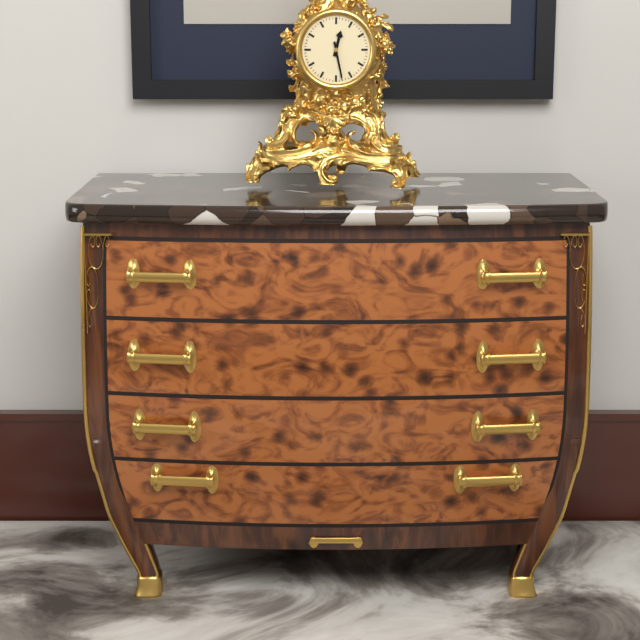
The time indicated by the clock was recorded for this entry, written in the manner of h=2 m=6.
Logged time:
h=12 m=28
